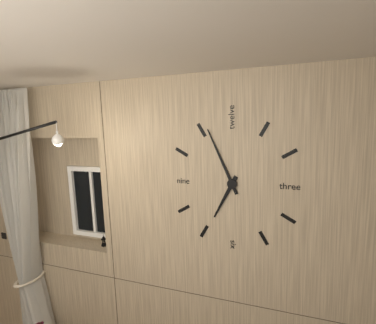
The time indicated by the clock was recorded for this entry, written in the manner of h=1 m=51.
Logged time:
h=6 m=56
